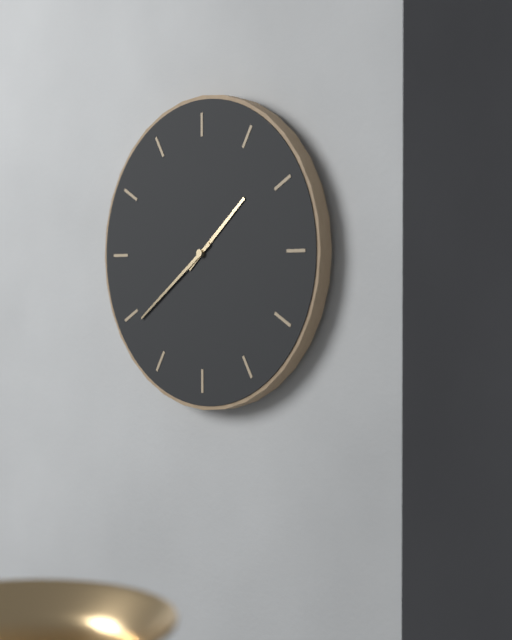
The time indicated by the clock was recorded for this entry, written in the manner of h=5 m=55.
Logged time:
h=1 m=39
